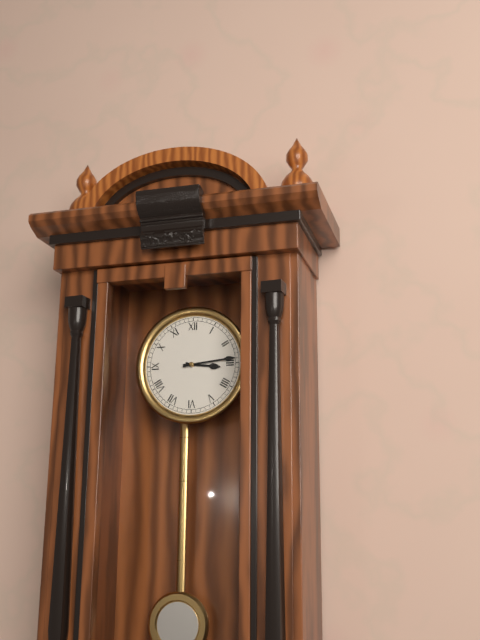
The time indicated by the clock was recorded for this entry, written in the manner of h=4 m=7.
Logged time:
h=3 m=14
